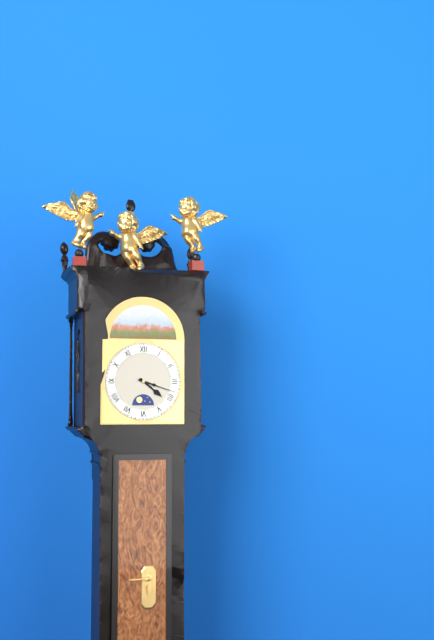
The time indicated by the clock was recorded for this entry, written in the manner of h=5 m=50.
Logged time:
h=4 m=18
